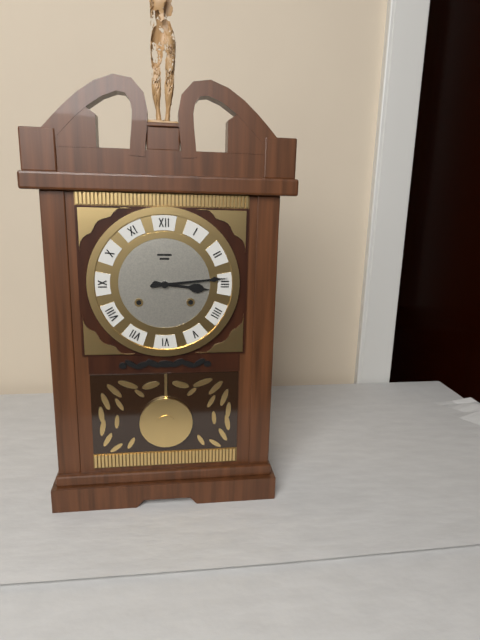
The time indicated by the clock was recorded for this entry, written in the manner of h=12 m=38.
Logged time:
h=3 m=14
